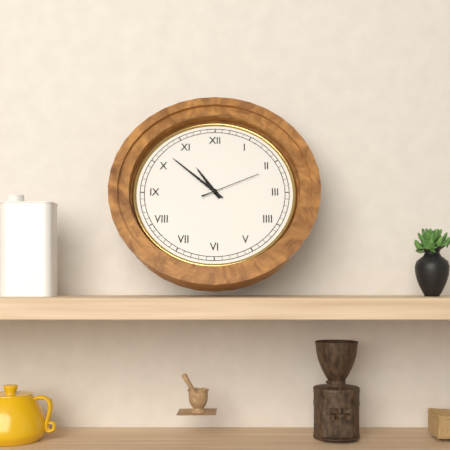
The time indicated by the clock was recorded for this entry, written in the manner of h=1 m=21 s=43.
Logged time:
h=10 m=52 s=11
